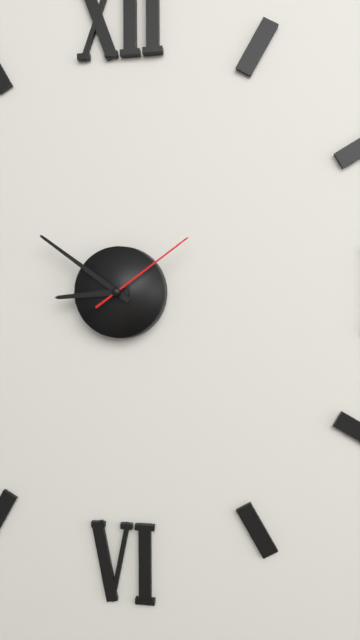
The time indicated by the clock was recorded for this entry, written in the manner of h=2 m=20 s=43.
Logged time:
h=8 m=51 s=9
